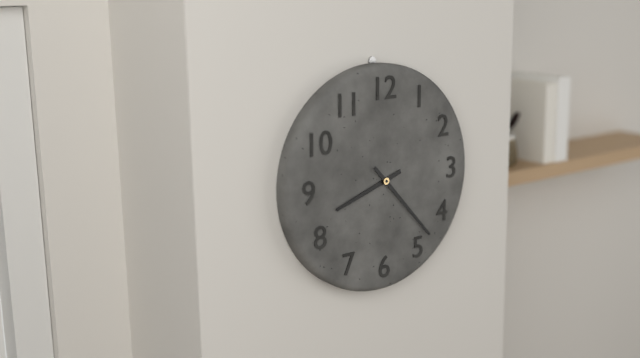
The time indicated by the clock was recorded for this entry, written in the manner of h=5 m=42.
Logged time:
h=8 m=23
